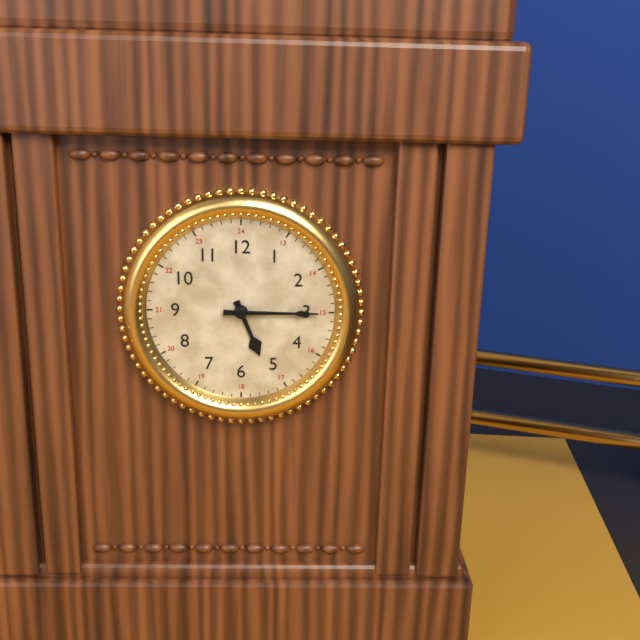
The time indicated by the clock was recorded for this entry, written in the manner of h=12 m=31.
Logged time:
h=5 m=15
